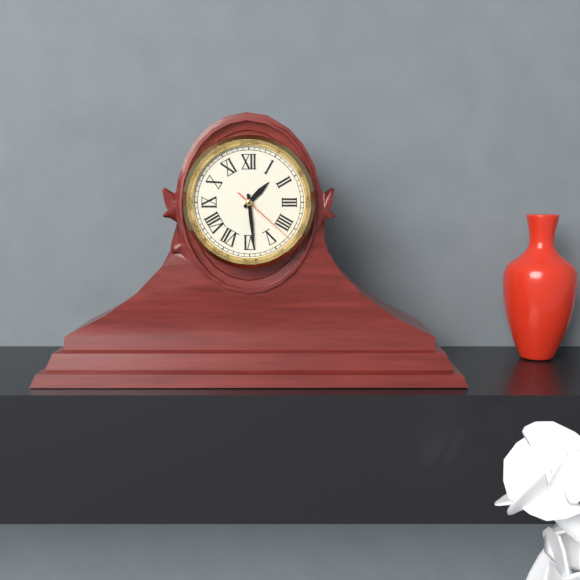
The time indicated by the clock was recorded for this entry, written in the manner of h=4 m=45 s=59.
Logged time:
h=1 m=29 s=22
